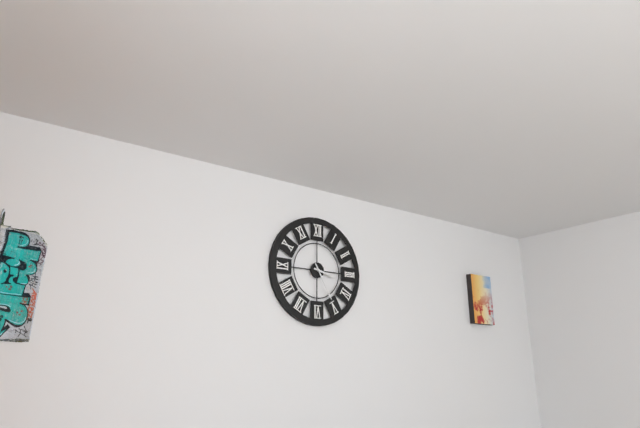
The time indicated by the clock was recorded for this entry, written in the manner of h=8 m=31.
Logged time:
h=3 m=25
